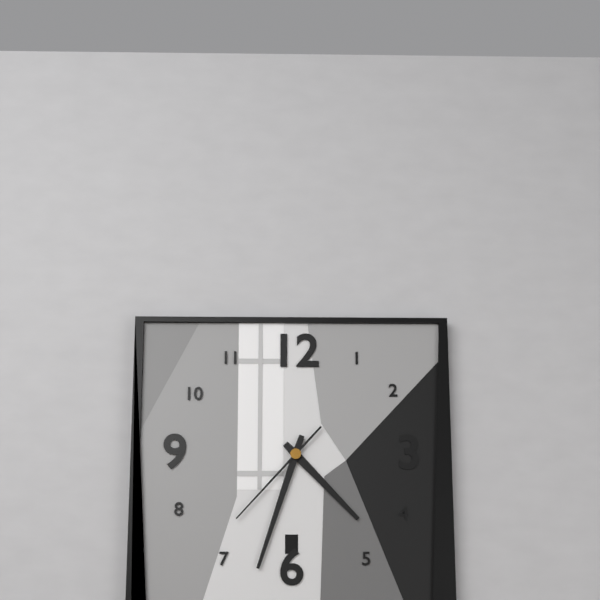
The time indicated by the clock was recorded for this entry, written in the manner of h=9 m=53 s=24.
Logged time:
h=4 m=33 s=37
